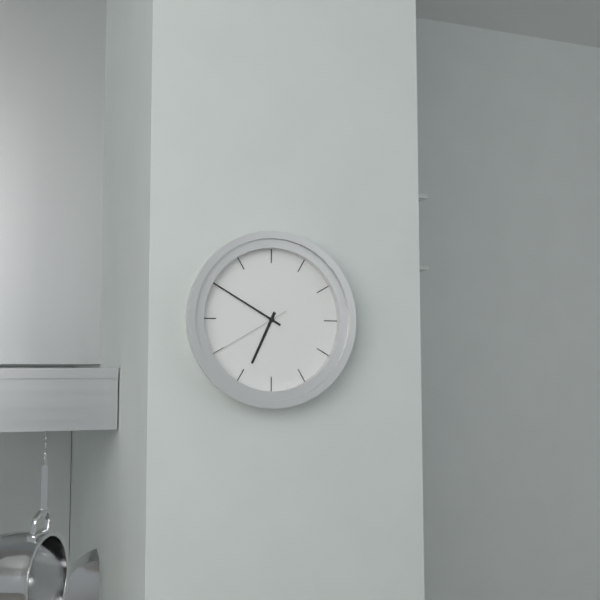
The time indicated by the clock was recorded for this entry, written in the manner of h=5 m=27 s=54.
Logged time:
h=6 m=50 s=40
